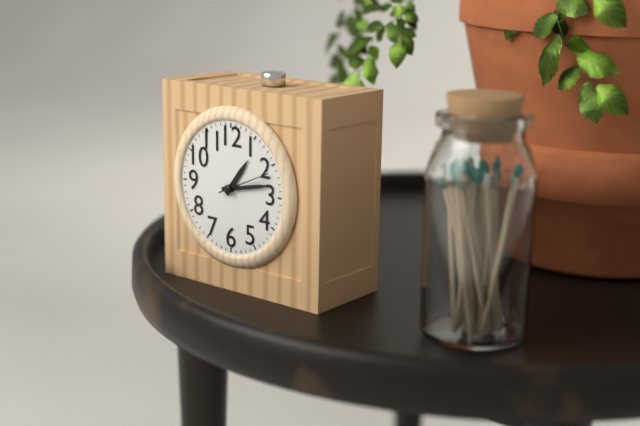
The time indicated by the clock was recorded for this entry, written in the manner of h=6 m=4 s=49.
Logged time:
h=1 m=13 s=11
